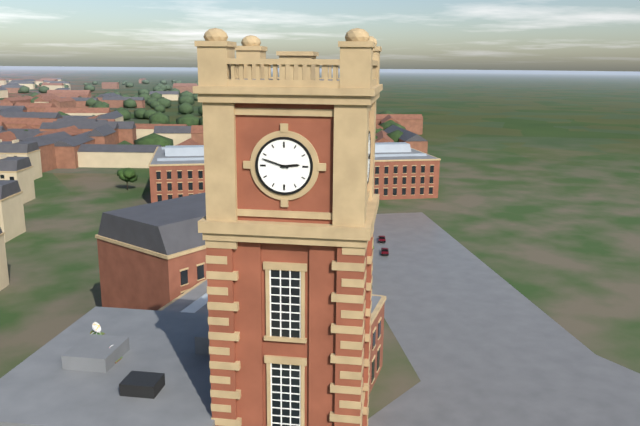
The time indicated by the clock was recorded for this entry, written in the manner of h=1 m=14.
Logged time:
h=2 m=48
